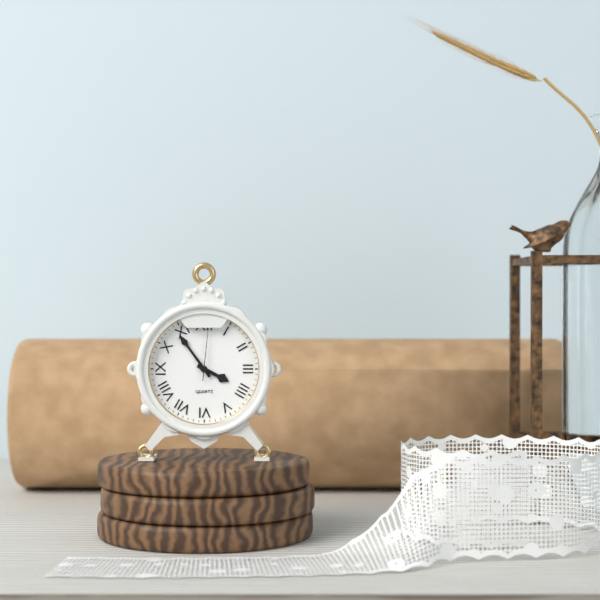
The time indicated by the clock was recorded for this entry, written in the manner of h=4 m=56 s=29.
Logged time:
h=3 m=54 s=1
